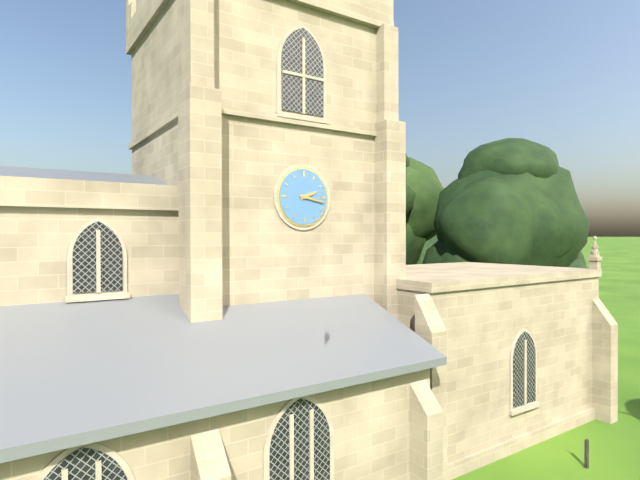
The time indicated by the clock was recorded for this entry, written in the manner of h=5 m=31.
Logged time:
h=2 m=17
